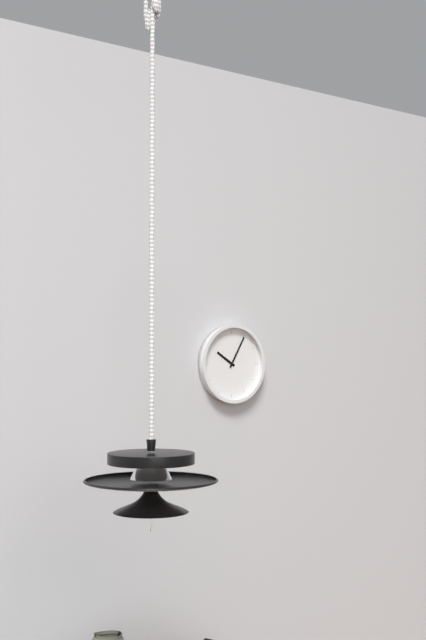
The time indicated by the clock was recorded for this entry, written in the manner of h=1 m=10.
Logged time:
h=10 m=5
